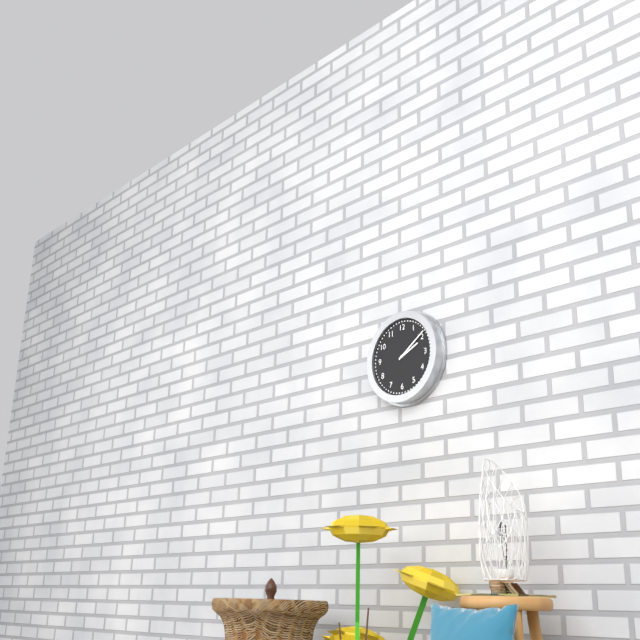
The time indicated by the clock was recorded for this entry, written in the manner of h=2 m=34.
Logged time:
h=2 m=9
